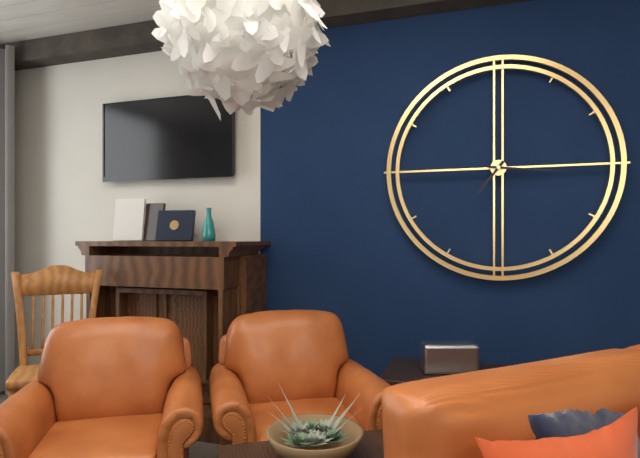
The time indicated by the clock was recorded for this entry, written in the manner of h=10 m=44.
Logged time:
h=7 m=16
